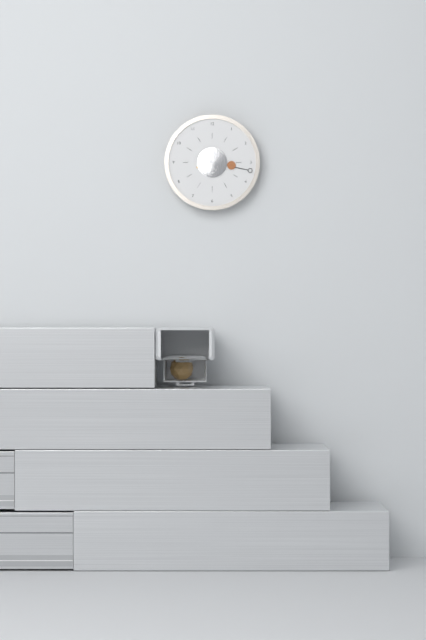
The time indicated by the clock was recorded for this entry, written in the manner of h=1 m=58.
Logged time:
h=3 m=17
